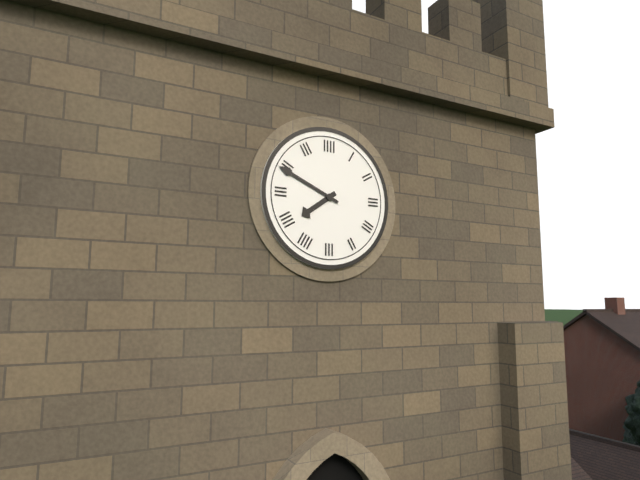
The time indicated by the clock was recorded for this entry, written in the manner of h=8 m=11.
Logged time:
h=7 m=49
